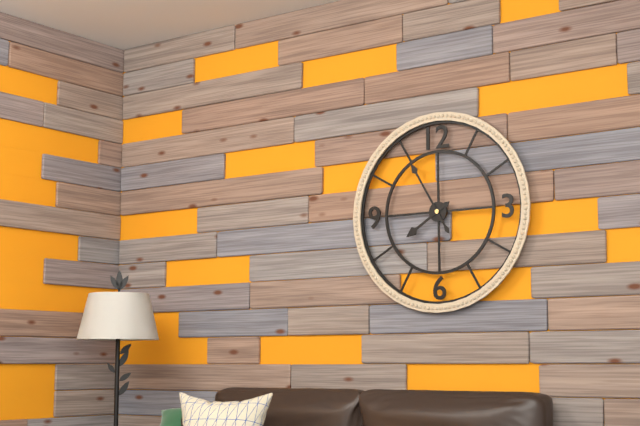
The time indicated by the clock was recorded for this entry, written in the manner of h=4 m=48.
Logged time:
h=7 m=55
